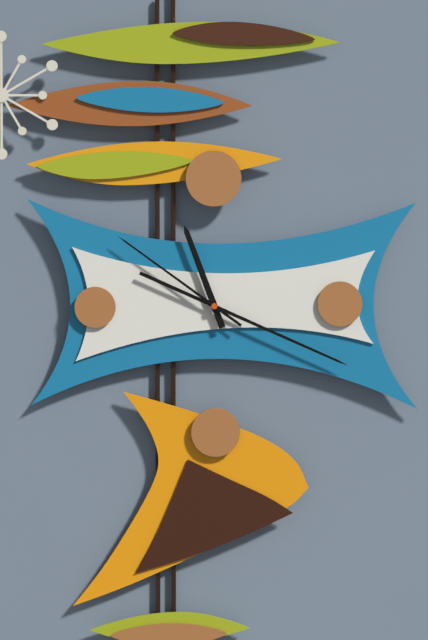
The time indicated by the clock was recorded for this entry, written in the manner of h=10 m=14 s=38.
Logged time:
h=11 m=19 s=51
